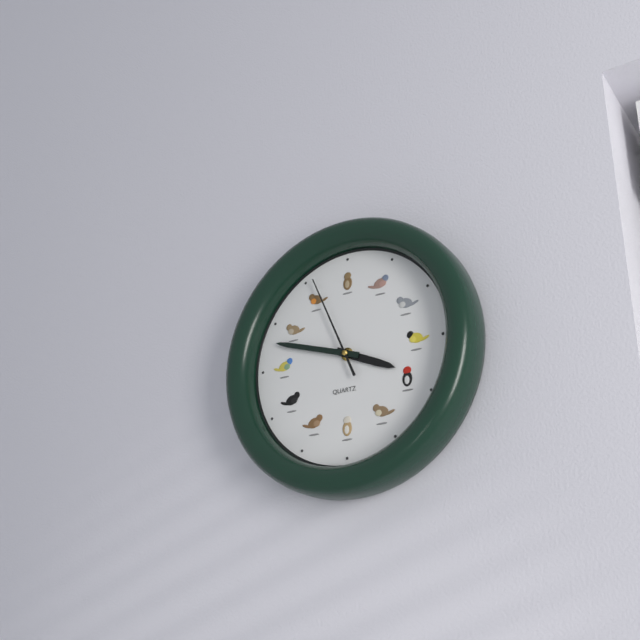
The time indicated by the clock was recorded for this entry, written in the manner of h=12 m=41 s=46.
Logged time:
h=3 m=48 s=56
